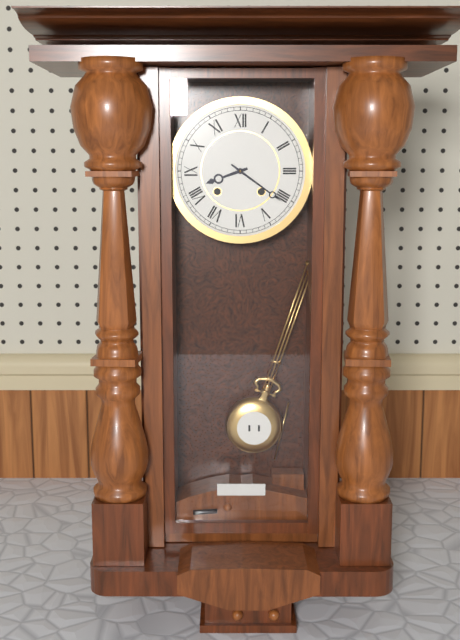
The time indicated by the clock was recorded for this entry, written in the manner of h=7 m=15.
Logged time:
h=8 m=21
